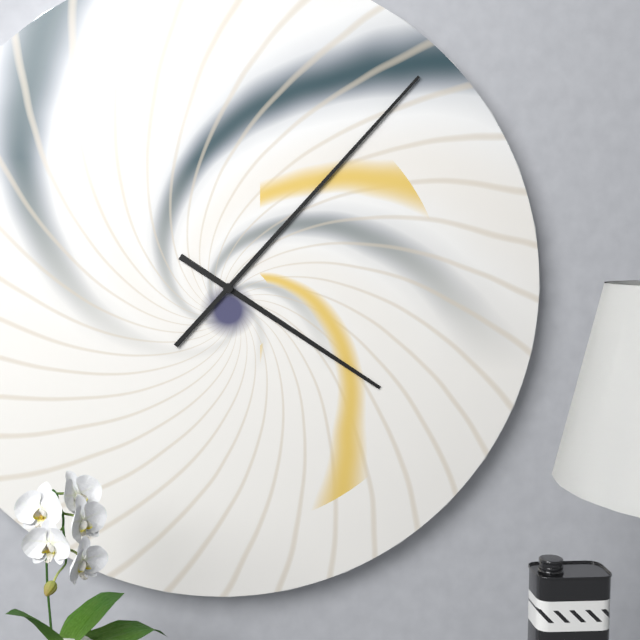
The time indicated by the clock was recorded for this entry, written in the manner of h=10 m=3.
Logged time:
h=4 m=7
